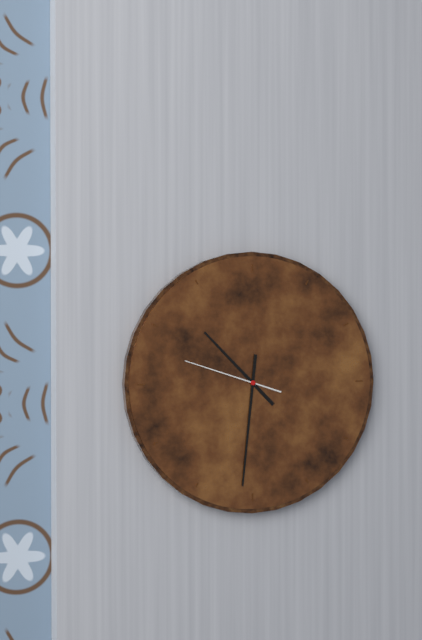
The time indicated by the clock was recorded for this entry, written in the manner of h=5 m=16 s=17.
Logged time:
h=10 m=31 s=48
